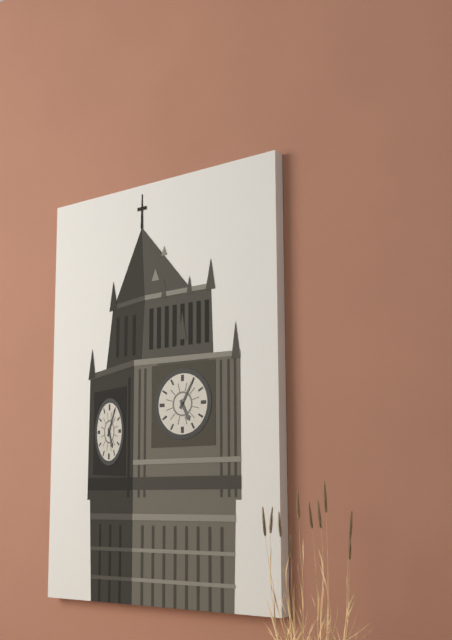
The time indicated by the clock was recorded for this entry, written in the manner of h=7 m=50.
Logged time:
h=5 m=5
